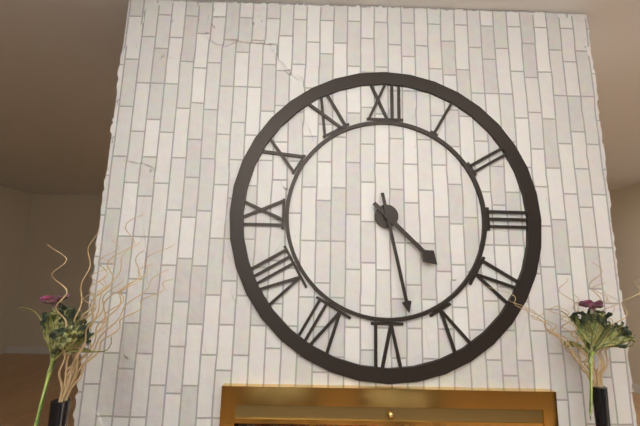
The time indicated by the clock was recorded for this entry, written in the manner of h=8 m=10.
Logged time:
h=4 m=28
